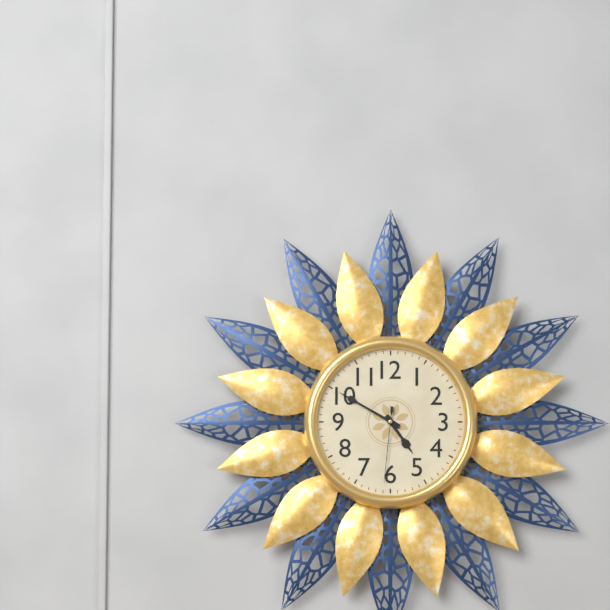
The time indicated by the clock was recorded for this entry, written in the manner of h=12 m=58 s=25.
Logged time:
h=4 m=50 s=31
